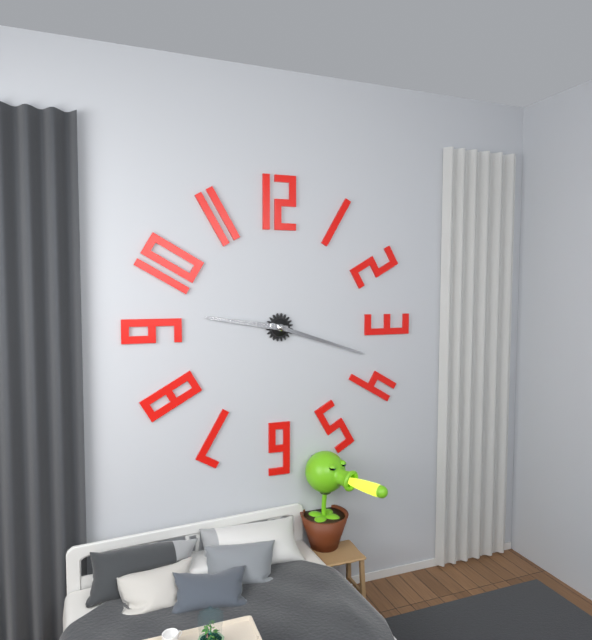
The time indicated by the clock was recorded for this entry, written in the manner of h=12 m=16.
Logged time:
h=9 m=18
